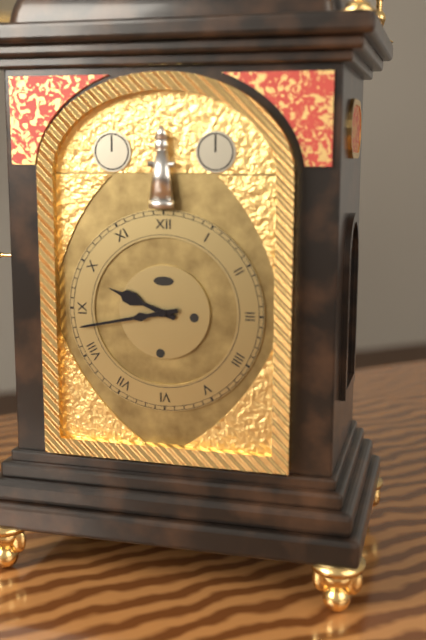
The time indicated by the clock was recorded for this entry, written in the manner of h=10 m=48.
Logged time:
h=9 m=43
